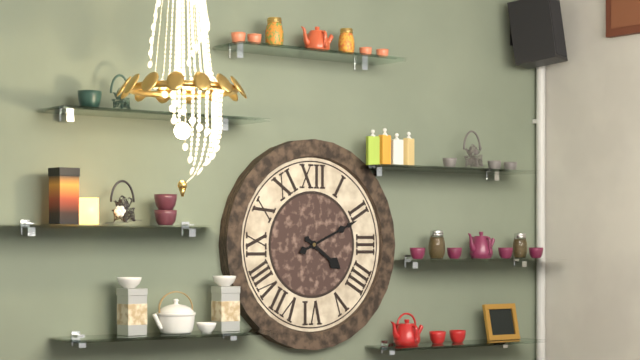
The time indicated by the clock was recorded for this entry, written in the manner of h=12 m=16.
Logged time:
h=4 m=11
